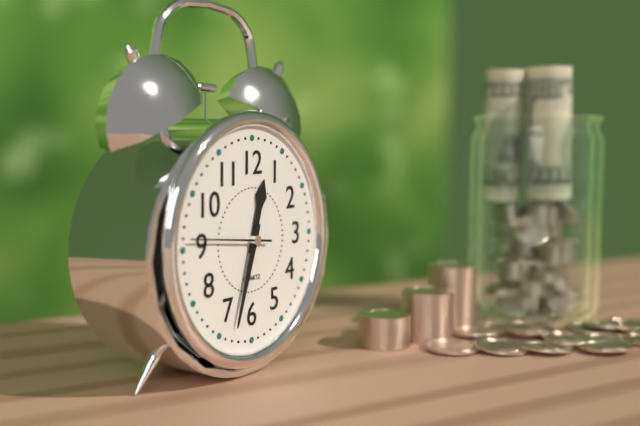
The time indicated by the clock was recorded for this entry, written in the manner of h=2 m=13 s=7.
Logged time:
h=12 m=33 s=46
